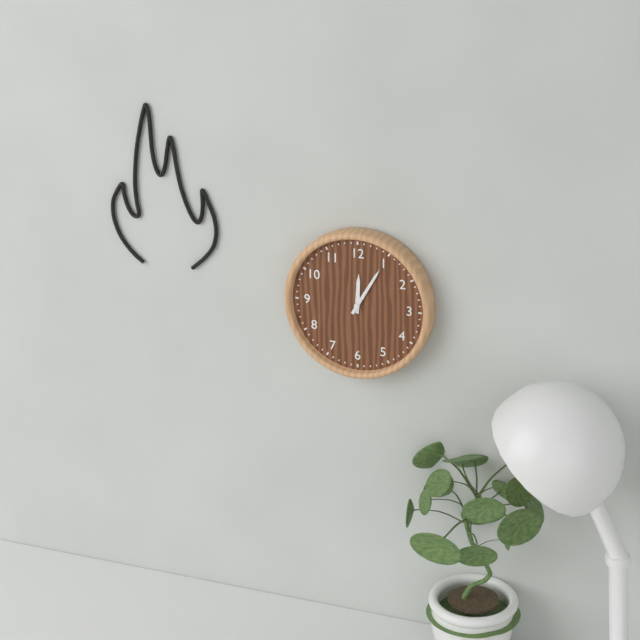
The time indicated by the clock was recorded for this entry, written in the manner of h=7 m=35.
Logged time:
h=12 m=5
